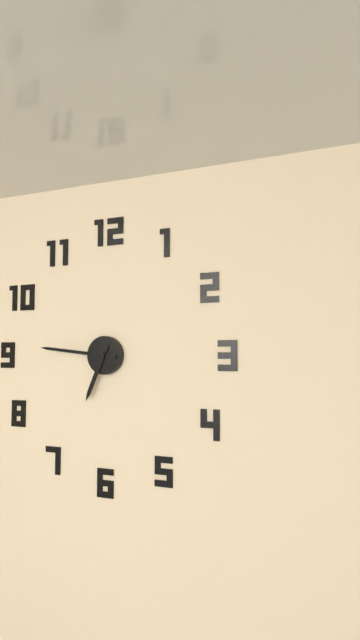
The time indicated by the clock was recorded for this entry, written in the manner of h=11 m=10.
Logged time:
h=6 m=46
